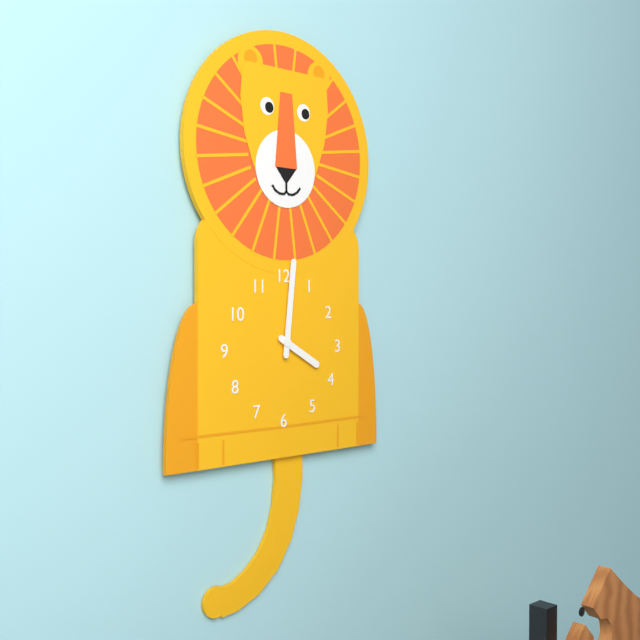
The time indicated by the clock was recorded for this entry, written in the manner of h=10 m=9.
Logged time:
h=4 m=1
